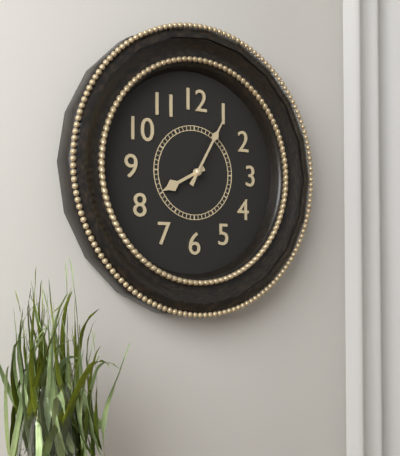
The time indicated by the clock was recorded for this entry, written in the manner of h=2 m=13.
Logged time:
h=8 m=5
